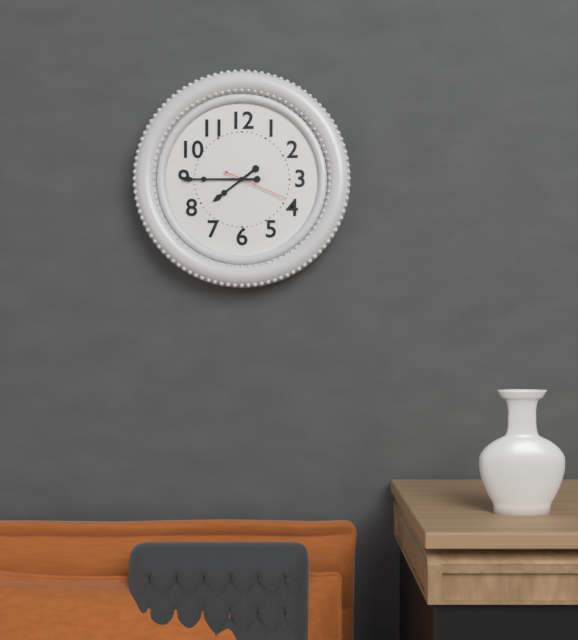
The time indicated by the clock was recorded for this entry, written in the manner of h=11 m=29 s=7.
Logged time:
h=7 m=45 s=19
